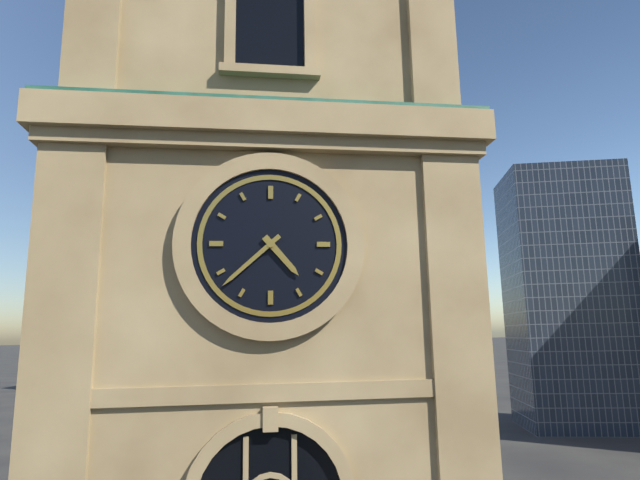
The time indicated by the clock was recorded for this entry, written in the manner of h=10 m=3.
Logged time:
h=4 m=38
